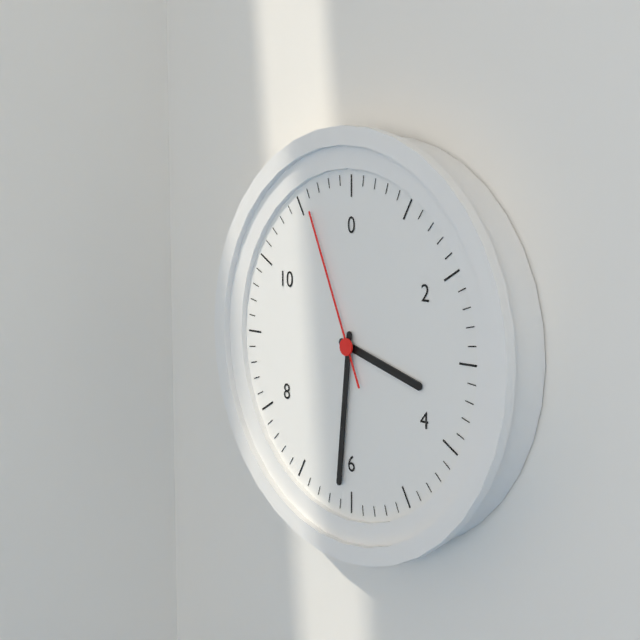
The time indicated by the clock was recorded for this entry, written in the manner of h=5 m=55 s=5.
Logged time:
h=3 m=31 s=56
